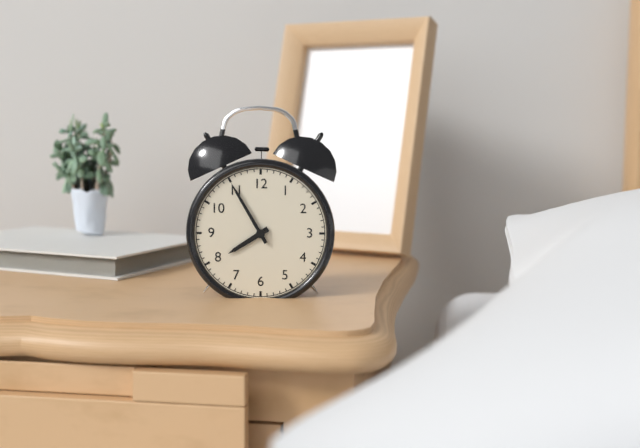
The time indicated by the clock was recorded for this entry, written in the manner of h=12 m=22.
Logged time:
h=7 m=55
